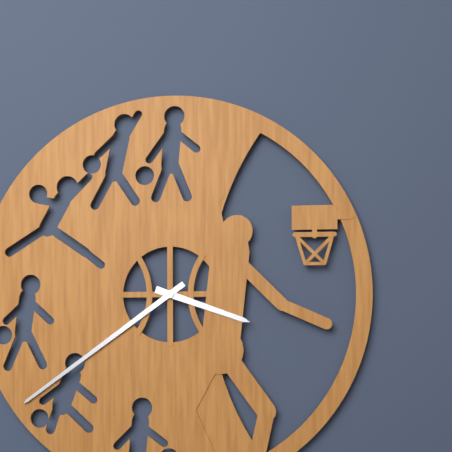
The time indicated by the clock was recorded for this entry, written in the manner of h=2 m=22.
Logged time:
h=3 m=39
